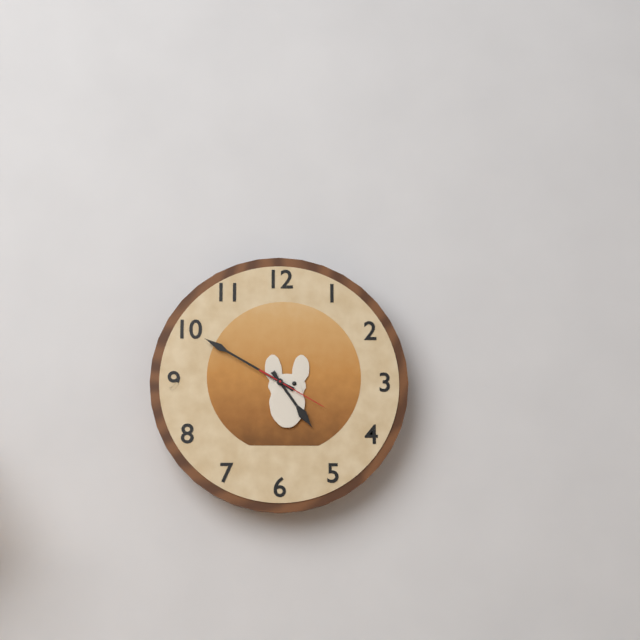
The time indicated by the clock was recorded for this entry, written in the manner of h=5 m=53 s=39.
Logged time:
h=4 m=50 s=20
